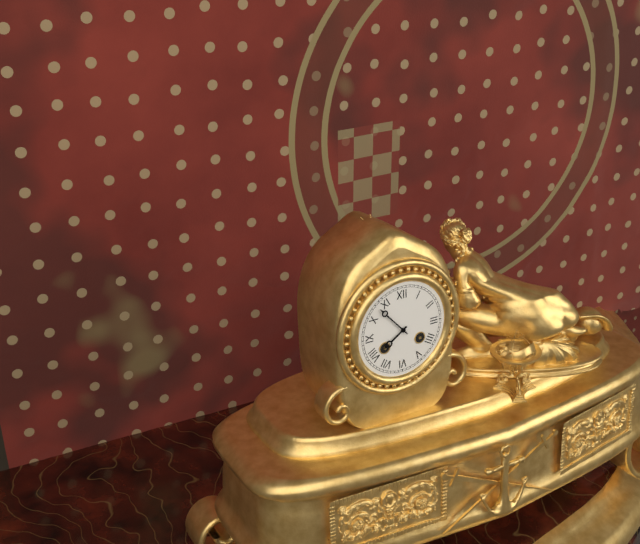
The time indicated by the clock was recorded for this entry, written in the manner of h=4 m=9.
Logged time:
h=7 m=53
